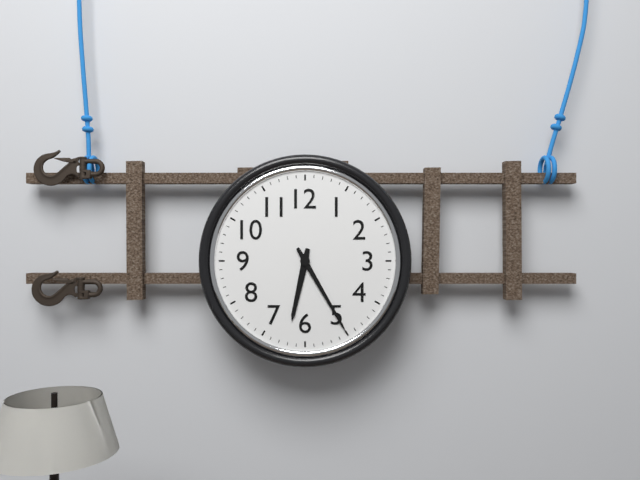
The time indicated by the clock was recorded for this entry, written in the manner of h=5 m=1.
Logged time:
h=6 m=25
